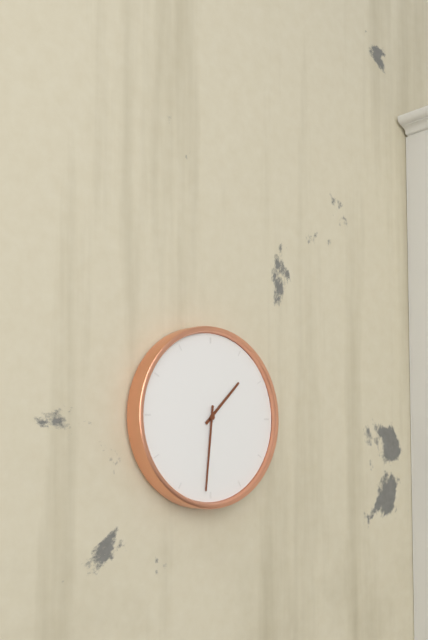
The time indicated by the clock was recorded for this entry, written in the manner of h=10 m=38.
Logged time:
h=1 m=31
